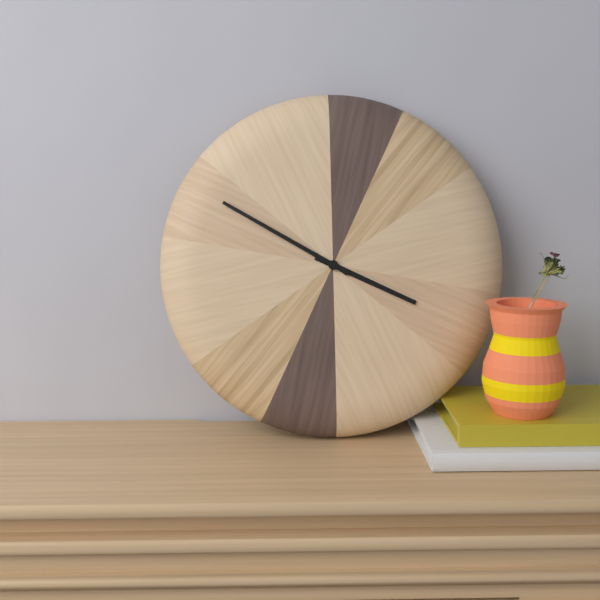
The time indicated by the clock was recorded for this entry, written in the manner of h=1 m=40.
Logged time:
h=3 m=50
